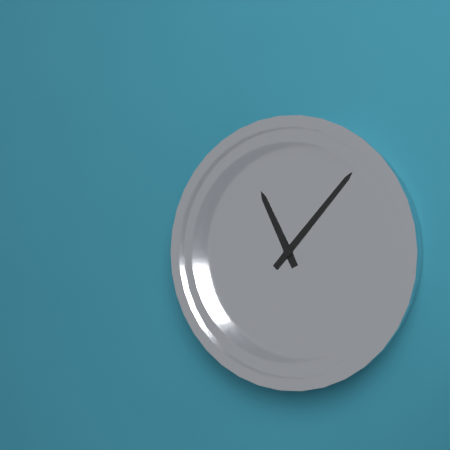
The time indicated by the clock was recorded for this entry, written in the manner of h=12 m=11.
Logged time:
h=11 m=7
